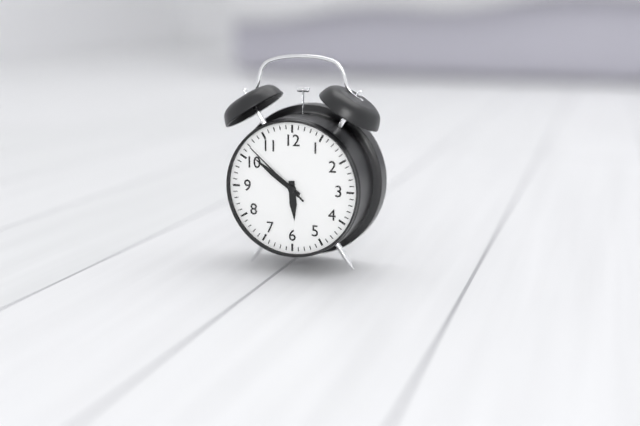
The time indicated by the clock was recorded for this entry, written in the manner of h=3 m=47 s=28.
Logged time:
h=5 m=51 s=52
